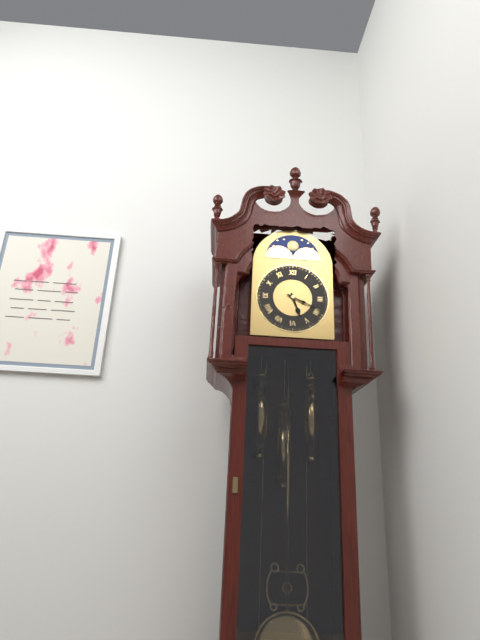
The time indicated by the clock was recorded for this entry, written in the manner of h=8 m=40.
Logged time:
h=5 m=19
